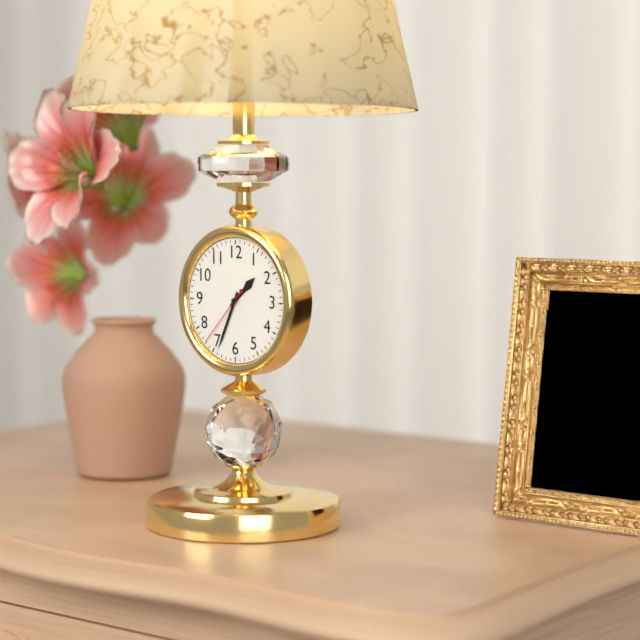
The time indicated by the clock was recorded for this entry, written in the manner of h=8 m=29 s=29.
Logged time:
h=1 m=34 s=37
